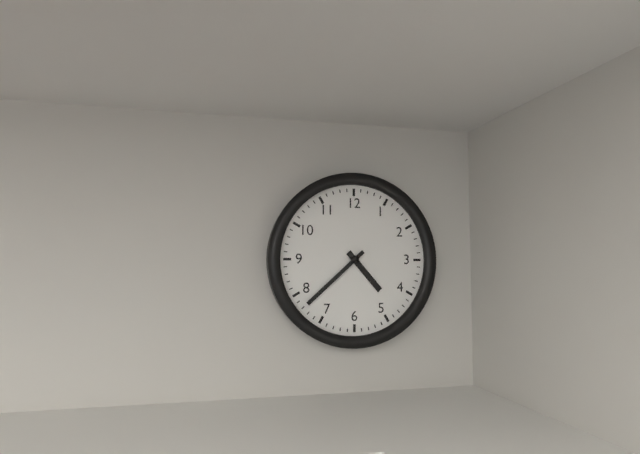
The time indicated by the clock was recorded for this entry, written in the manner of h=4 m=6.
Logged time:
h=4 m=38
